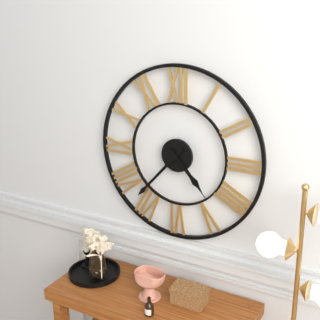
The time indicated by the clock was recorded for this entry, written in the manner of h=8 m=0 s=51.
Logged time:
h=4 m=37 s=23
